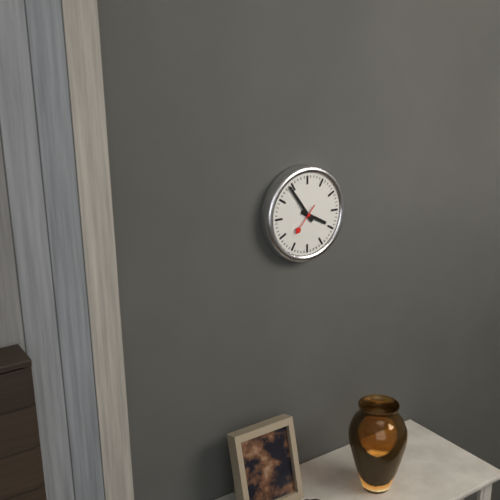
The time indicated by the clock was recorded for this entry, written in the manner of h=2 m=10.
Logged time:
h=3 m=54
